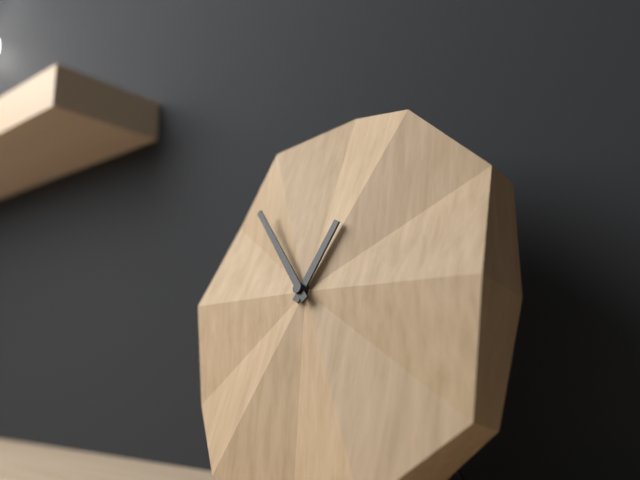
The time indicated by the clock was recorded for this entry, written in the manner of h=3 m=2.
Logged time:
h=12 m=53
